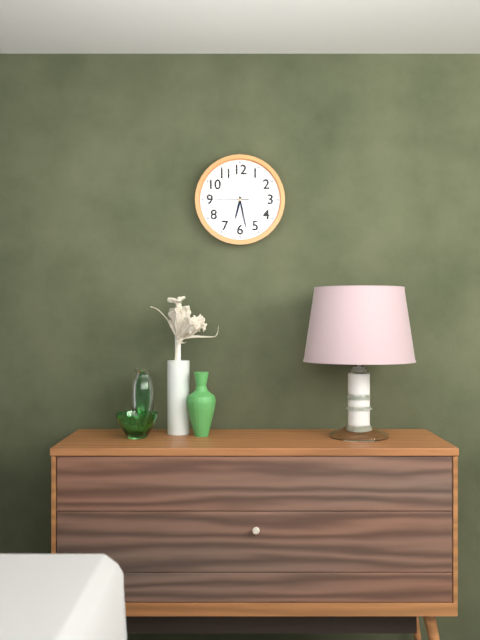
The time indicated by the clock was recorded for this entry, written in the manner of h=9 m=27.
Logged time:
h=6 m=28
